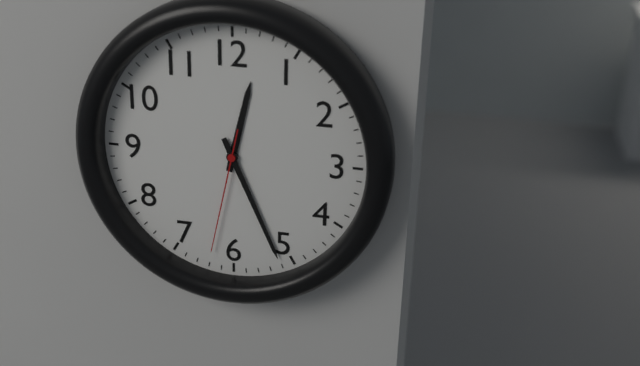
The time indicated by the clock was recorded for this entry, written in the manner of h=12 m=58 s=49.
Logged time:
h=12 m=26 s=32
